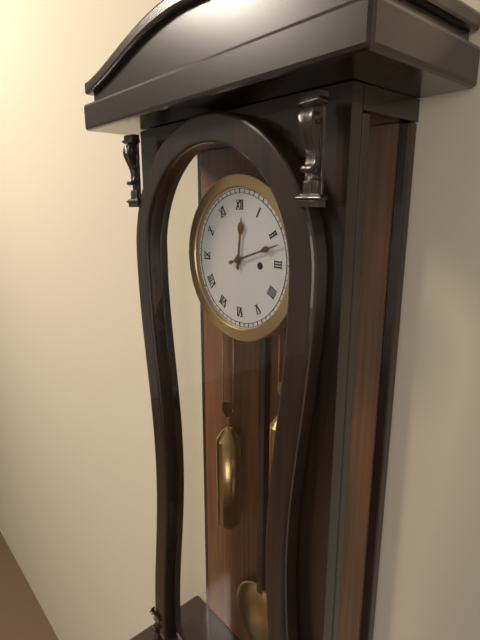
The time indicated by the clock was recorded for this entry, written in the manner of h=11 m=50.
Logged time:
h=12 m=12
